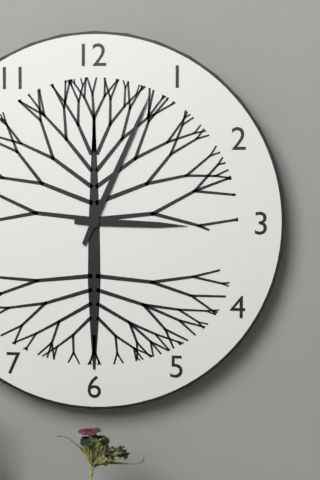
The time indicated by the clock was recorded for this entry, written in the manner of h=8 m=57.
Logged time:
h=3 m=4
